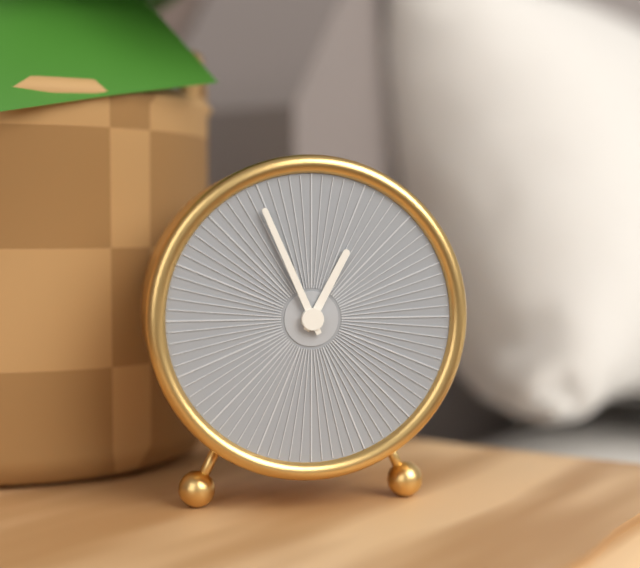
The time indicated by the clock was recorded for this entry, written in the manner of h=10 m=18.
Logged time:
h=12 m=56
